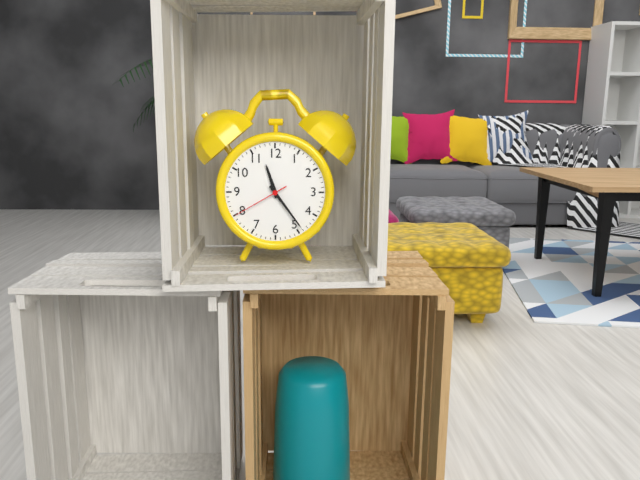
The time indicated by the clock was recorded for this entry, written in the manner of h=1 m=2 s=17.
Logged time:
h=11 m=24 s=40
